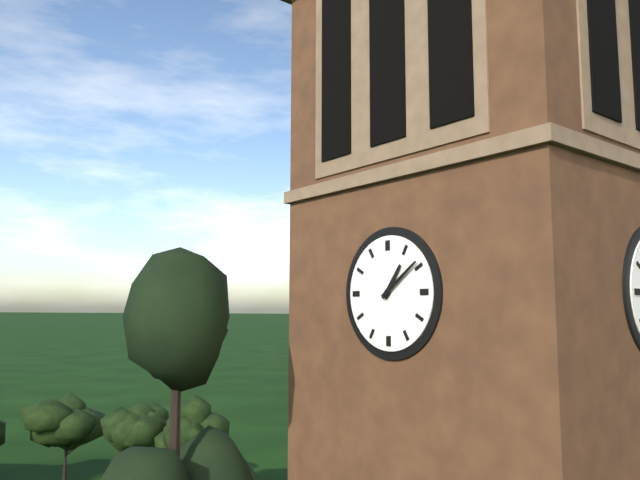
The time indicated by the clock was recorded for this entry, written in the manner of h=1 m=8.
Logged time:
h=1 m=9
